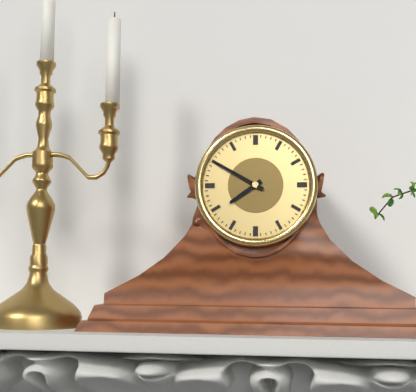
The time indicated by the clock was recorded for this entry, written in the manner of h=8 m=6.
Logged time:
h=7 m=50
